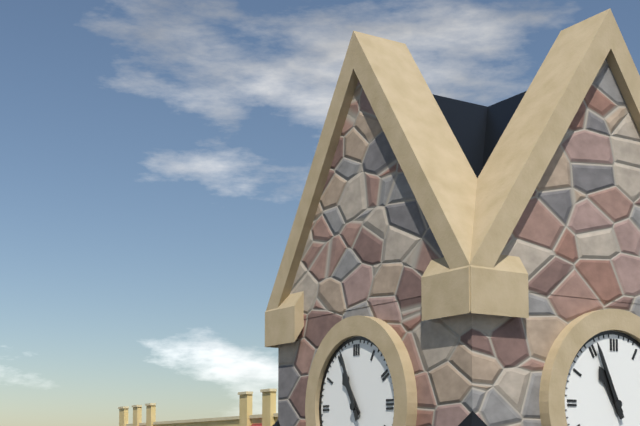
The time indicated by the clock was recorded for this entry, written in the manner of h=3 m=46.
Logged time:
h=10 m=56
